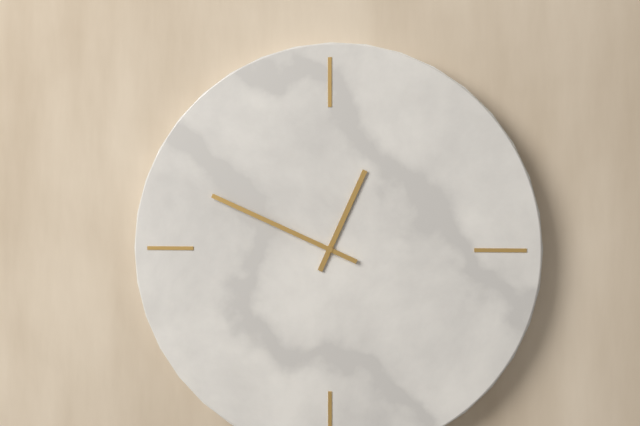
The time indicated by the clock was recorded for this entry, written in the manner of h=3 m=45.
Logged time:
h=12 m=49
